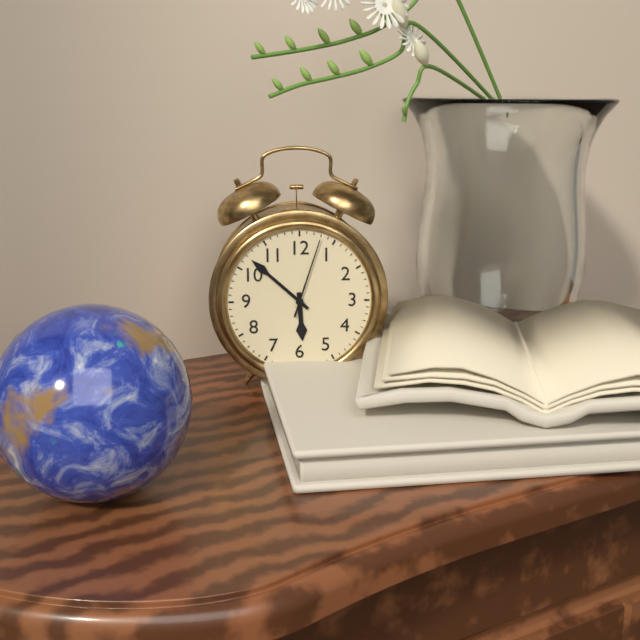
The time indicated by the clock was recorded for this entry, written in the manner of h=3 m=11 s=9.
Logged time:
h=5 m=52 s=3
